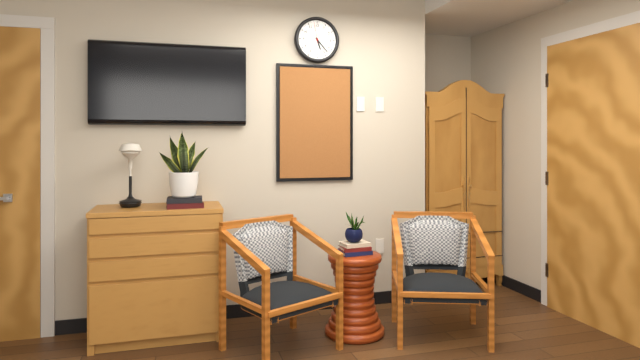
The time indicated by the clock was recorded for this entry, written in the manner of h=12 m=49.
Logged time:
h=5 m=23
